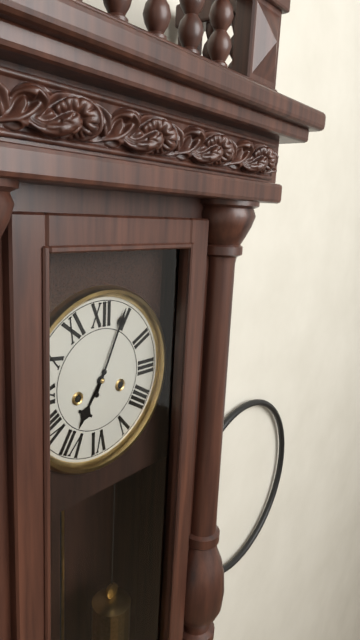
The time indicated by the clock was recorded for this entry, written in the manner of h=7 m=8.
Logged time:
h=7 m=4
